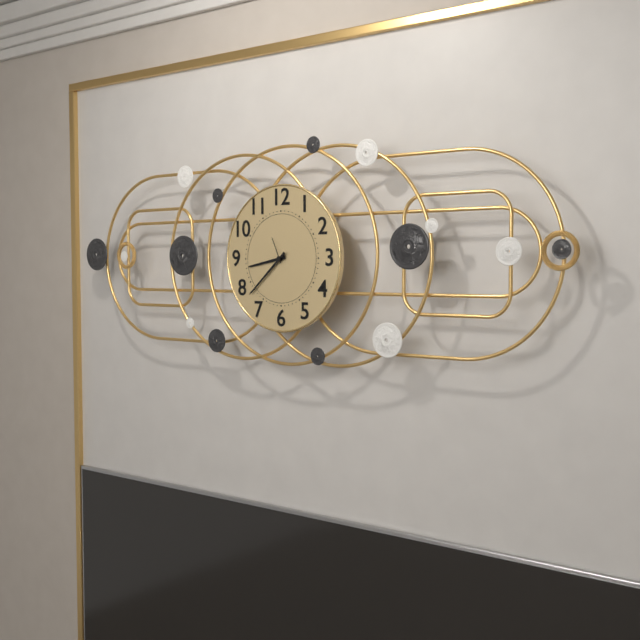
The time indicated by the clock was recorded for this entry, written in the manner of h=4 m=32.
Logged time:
h=8 m=38
